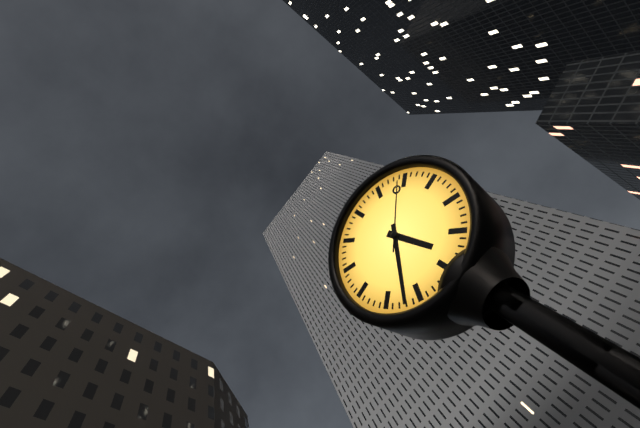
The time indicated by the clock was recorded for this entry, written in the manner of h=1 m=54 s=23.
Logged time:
h=5 m=37 s=9
